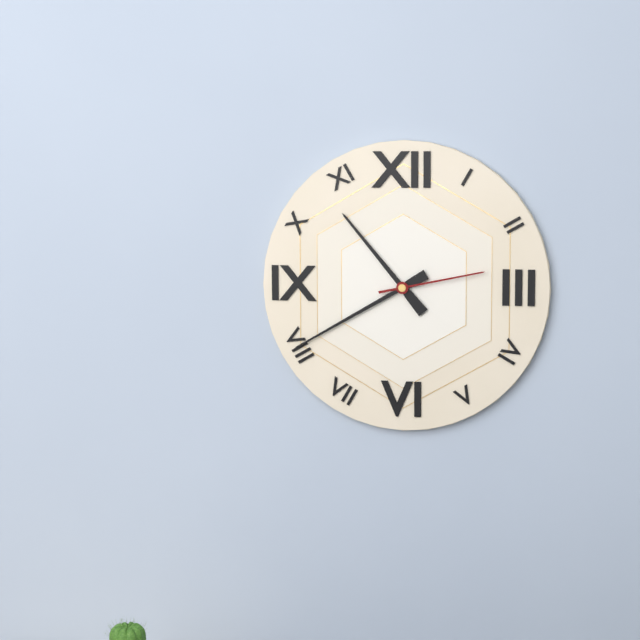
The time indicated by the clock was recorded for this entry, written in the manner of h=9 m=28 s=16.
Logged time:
h=10 m=40 s=13
